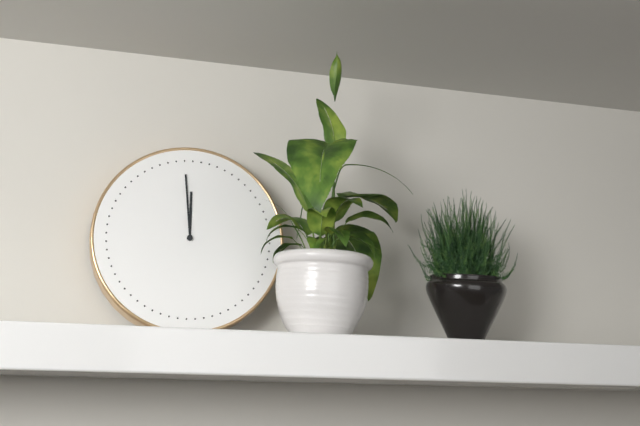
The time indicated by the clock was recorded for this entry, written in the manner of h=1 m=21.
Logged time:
h=11 m=59
